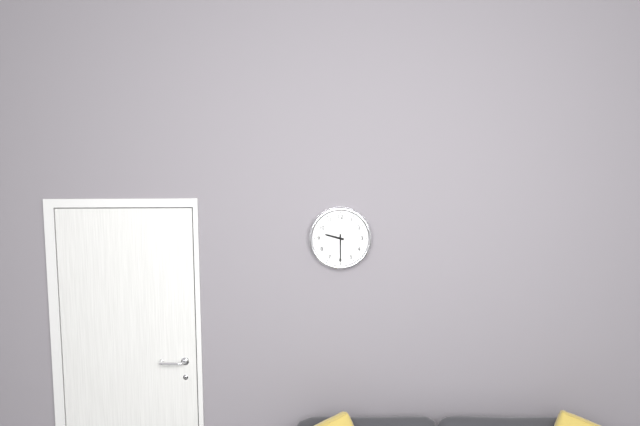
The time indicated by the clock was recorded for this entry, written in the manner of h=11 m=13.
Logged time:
h=9 m=30
